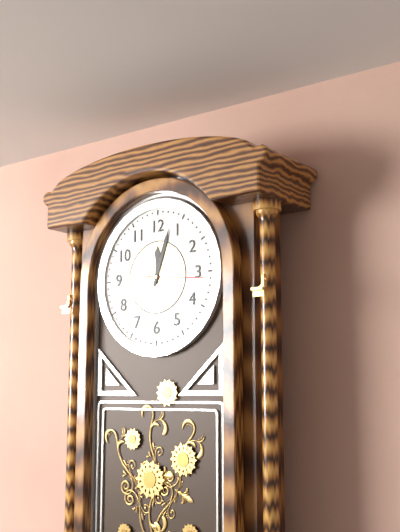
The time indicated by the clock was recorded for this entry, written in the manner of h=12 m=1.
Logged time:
h=12 m=3
